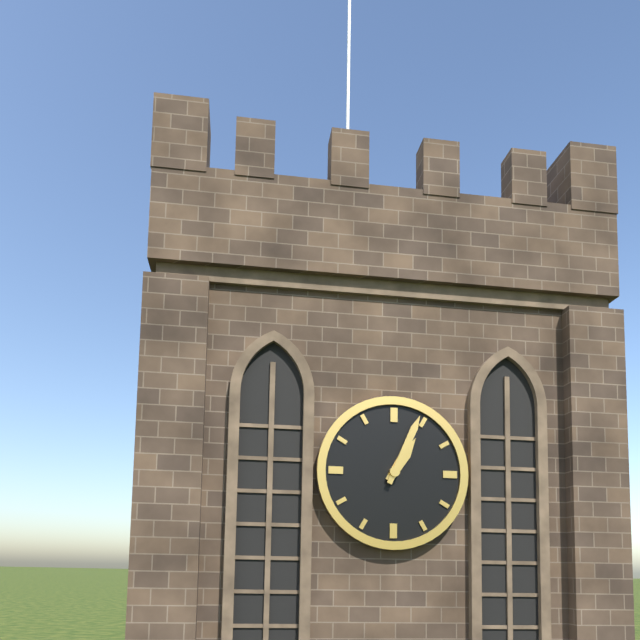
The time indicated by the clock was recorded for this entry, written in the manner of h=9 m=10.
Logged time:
h=1 m=4
